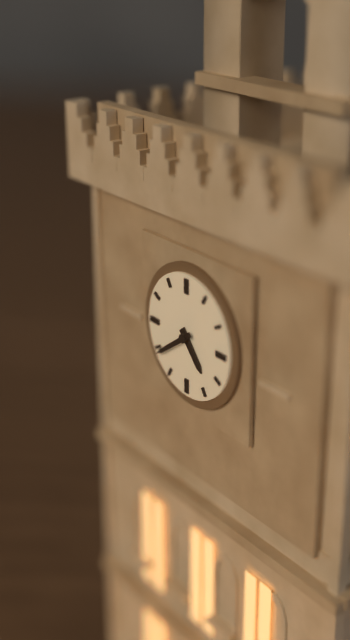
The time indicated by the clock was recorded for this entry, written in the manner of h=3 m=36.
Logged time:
h=4 m=39
